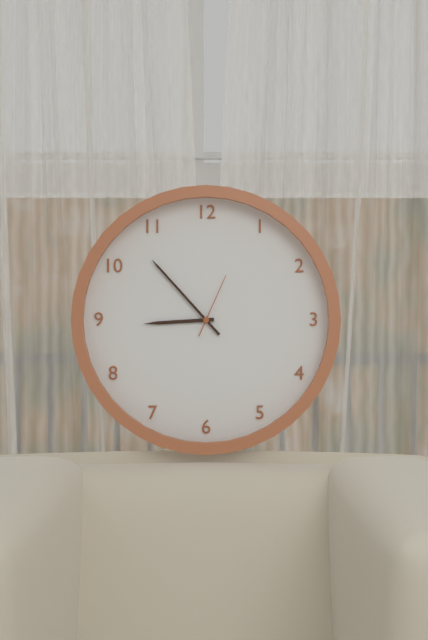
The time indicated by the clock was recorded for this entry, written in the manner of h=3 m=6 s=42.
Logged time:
h=8 m=53 s=4
